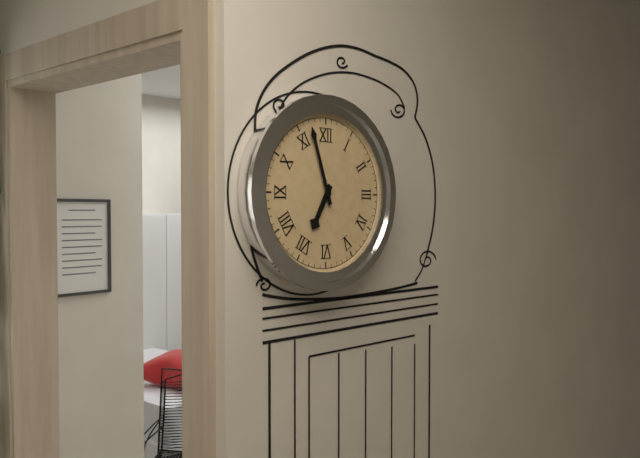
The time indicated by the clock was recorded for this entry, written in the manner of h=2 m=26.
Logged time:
h=6 m=57
